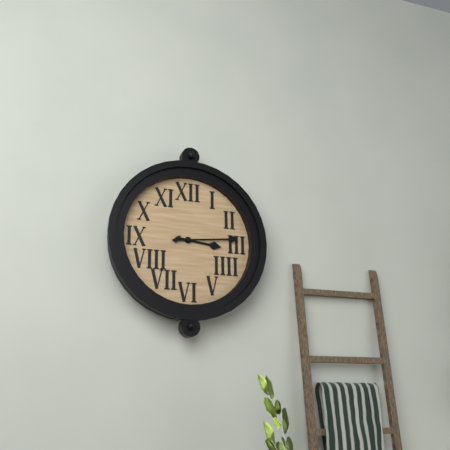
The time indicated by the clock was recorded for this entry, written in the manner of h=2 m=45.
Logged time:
h=3 m=14
